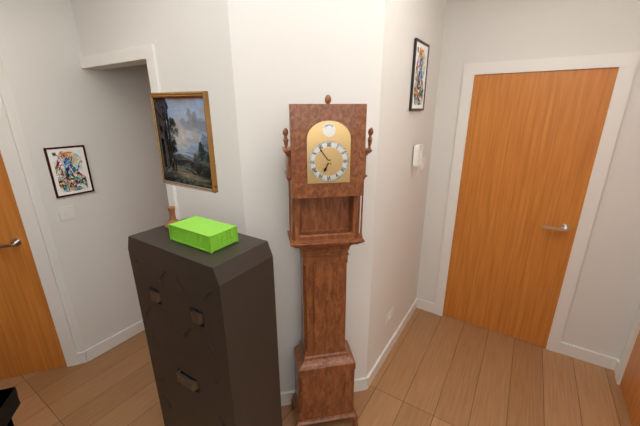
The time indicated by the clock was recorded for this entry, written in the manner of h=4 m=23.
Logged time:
h=6 m=54
